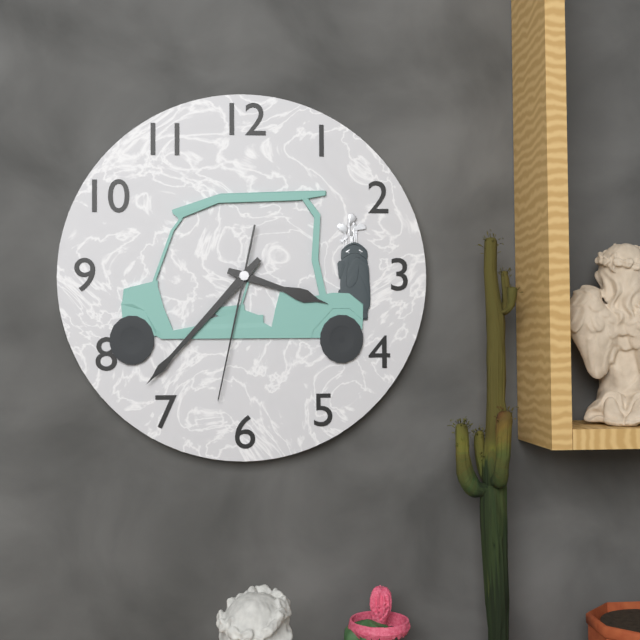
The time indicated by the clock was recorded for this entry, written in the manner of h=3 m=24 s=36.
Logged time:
h=3 m=37 s=32
